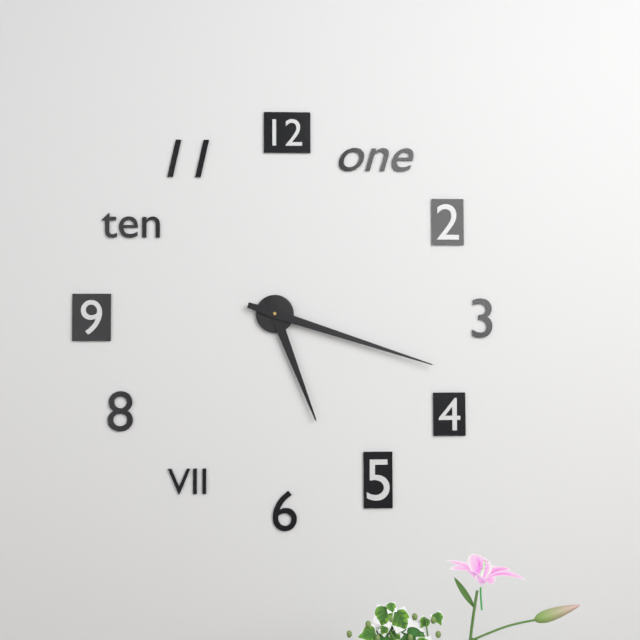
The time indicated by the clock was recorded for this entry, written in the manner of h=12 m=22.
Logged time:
h=5 m=18
